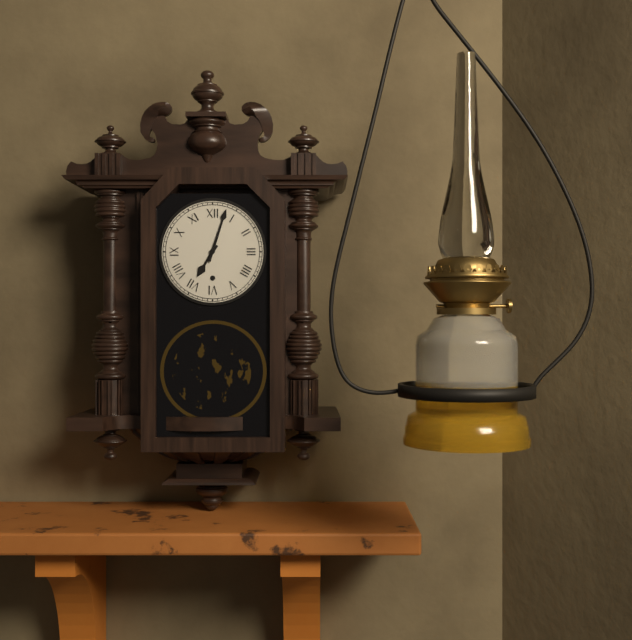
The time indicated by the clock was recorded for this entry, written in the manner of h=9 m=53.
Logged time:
h=7 m=3
